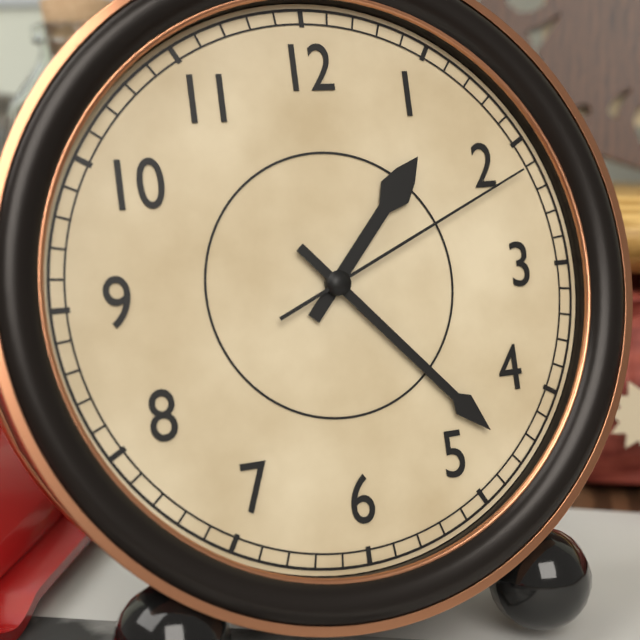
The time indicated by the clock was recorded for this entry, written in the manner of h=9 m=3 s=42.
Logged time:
h=1 m=23 s=11
